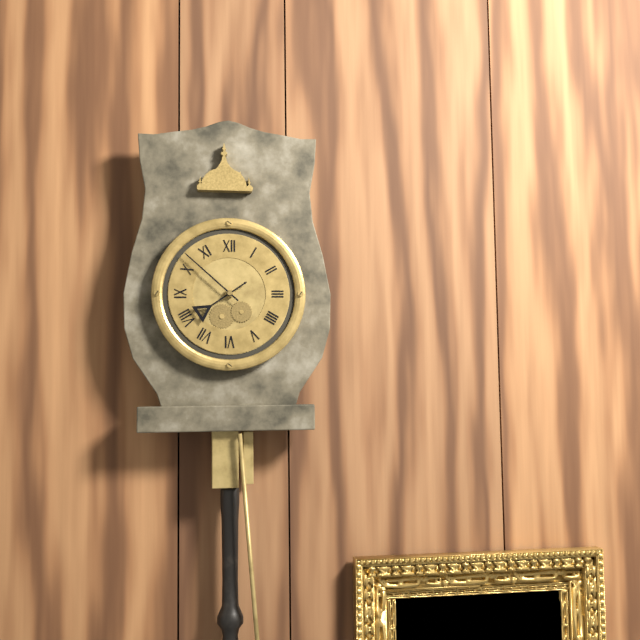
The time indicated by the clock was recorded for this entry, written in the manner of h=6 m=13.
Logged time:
h=7 m=52
